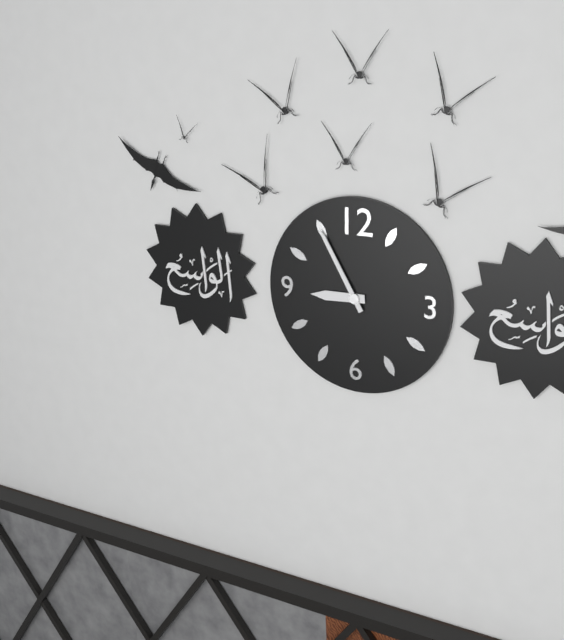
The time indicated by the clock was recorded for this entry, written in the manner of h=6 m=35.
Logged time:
h=8 m=55
